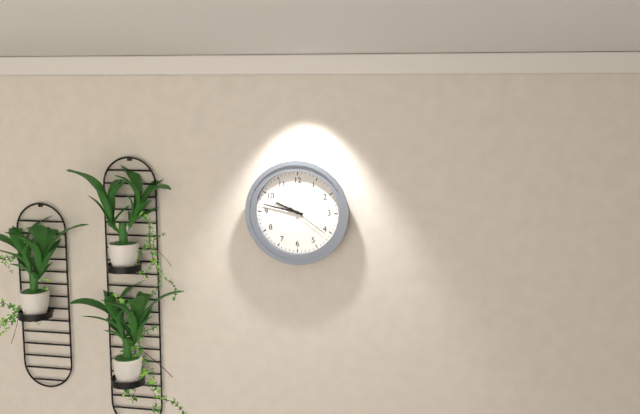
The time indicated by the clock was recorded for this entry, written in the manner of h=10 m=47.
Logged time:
h=9 m=47
